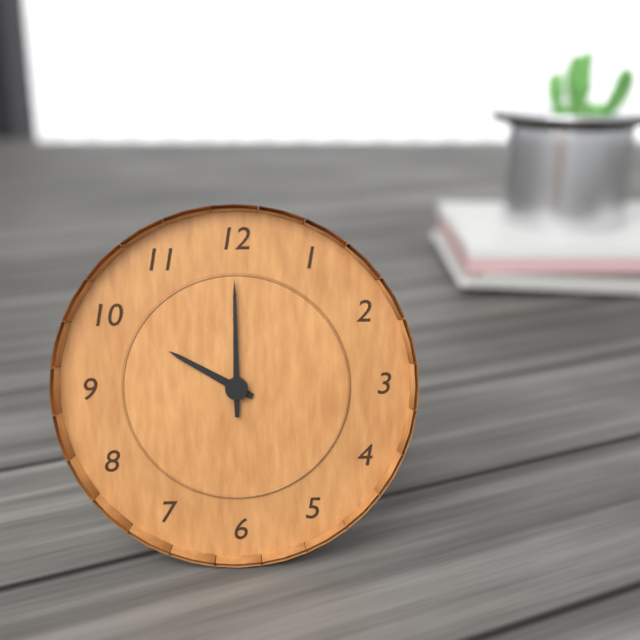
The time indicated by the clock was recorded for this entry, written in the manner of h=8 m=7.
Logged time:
h=10 m=0
